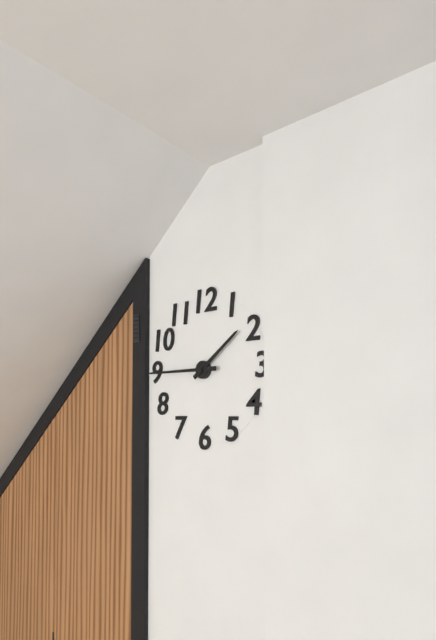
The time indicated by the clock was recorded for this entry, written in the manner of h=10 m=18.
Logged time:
h=1 m=45
